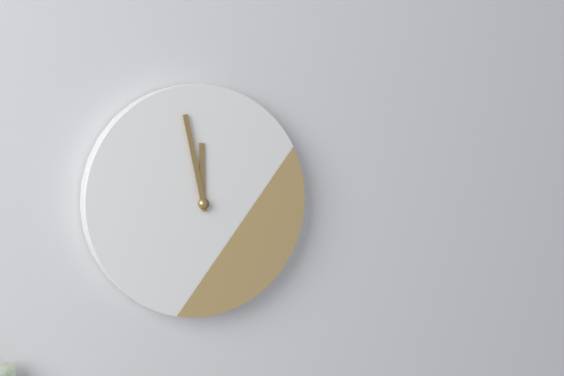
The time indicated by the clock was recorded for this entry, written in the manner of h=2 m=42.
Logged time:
h=11 m=58
